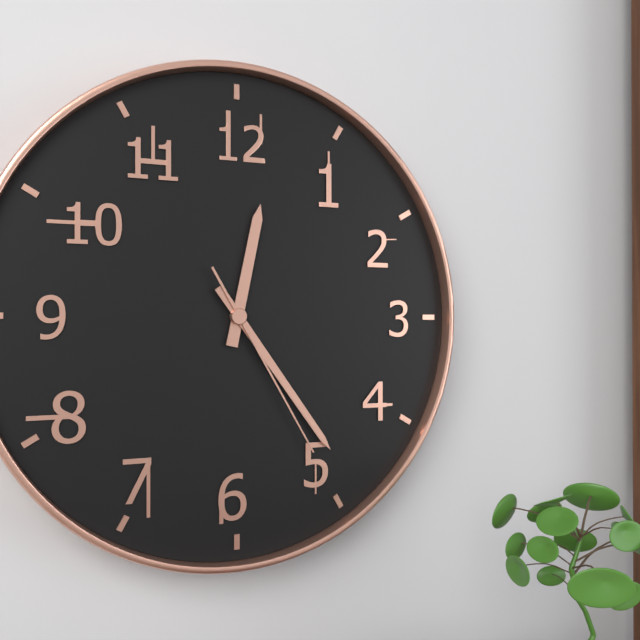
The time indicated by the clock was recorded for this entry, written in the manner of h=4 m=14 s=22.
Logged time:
h=12 m=24 s=25
